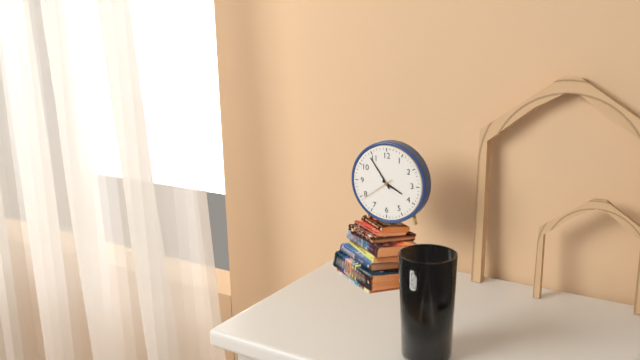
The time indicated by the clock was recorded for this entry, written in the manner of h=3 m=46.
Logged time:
h=3 m=54
